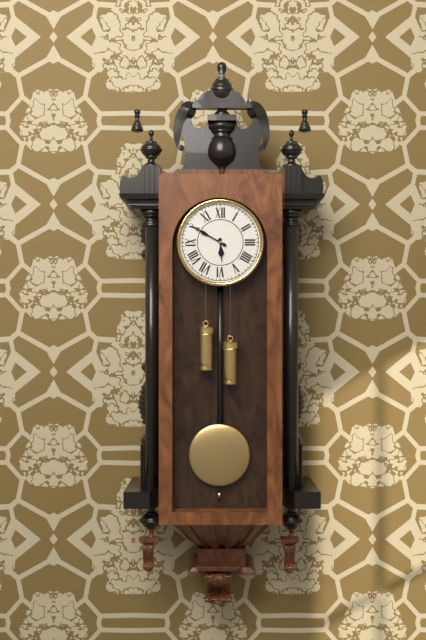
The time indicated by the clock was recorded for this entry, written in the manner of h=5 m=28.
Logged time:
h=5 m=50
